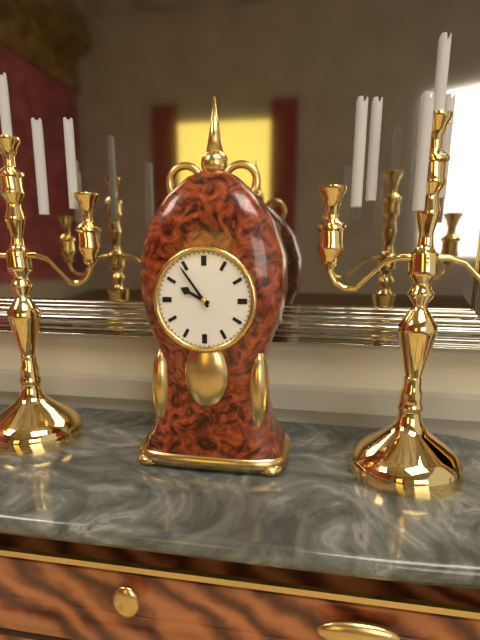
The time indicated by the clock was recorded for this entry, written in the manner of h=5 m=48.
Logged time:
h=9 m=54
